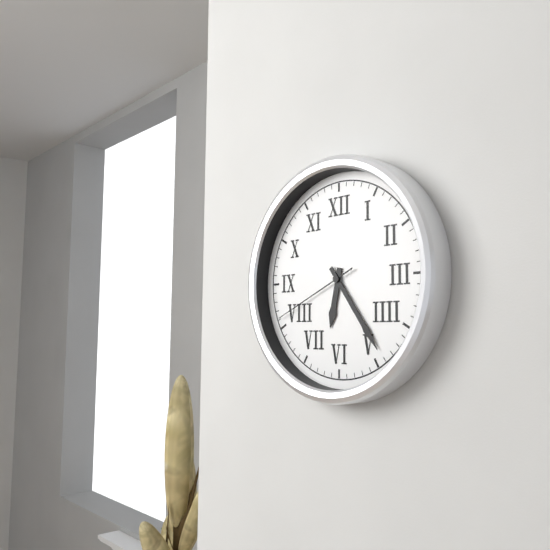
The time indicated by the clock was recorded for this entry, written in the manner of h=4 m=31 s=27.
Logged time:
h=6 m=24 s=41
